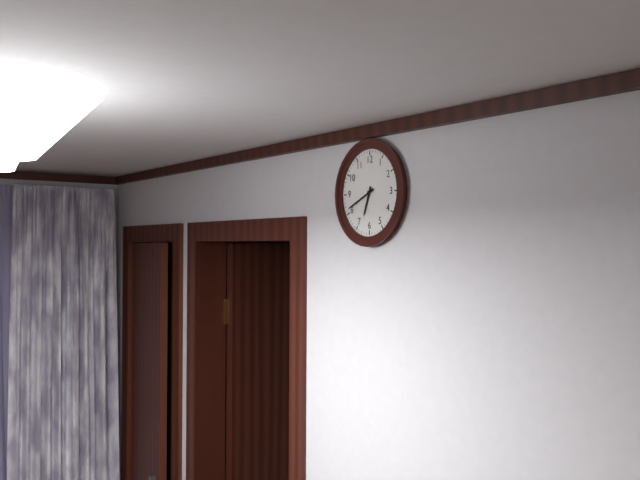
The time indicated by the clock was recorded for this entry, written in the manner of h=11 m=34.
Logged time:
h=6 m=41
